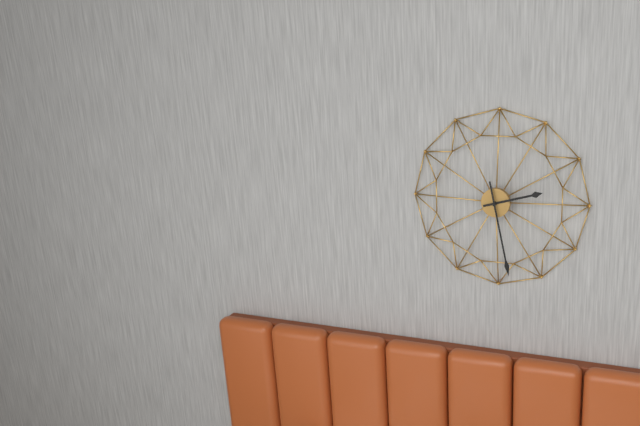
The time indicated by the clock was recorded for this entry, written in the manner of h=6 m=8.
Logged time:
h=2 m=28
